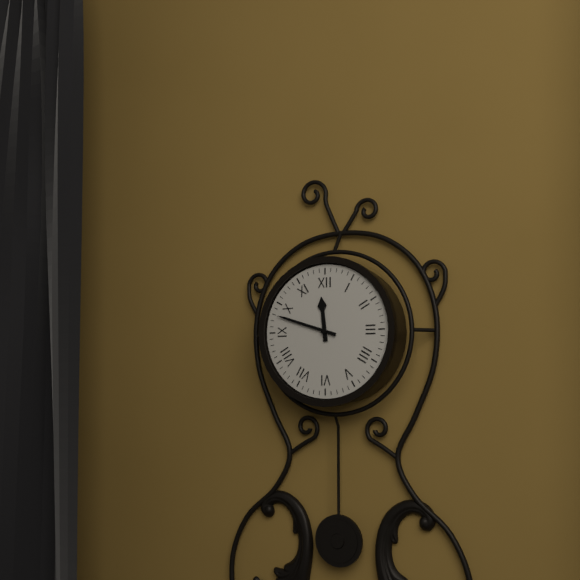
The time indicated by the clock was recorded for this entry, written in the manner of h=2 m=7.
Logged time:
h=11 m=48
